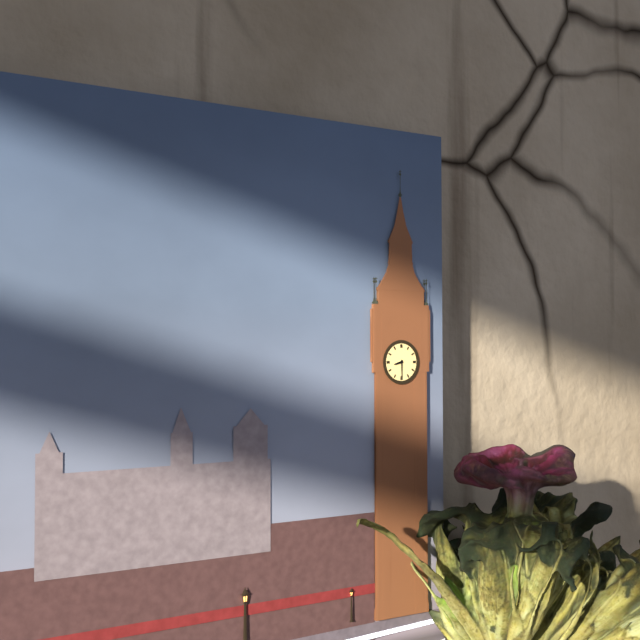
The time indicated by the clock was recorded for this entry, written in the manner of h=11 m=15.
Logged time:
h=8 m=30
